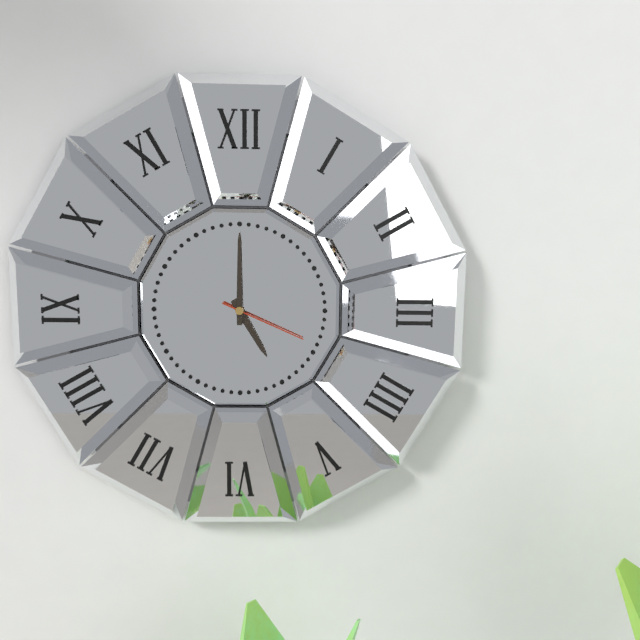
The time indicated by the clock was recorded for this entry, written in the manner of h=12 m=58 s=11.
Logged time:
h=5 m=0 s=19
